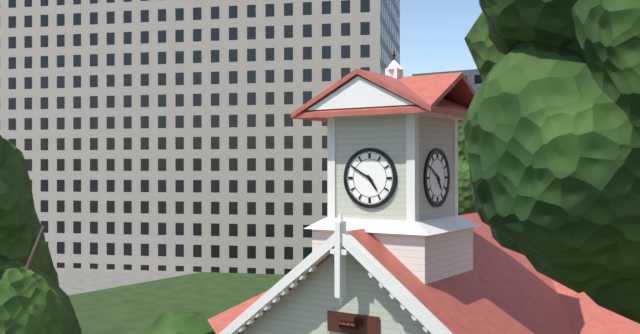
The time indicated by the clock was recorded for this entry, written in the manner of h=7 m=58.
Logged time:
h=4 m=50
